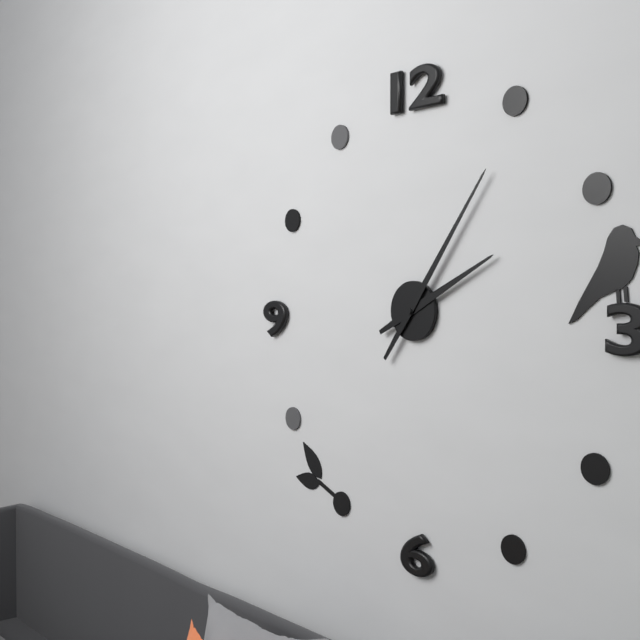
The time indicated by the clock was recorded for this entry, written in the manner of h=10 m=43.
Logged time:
h=2 m=6
